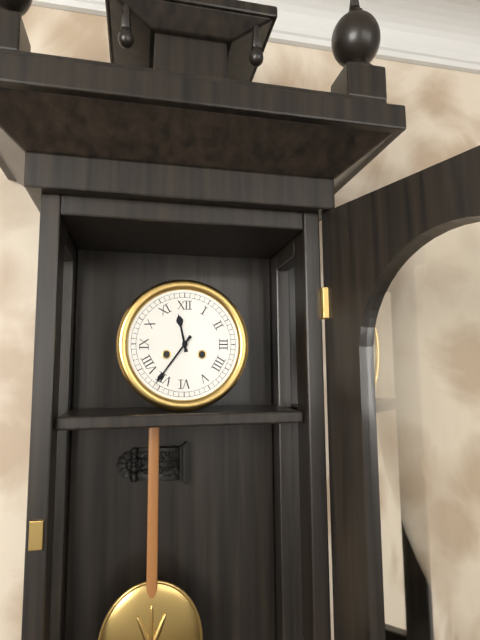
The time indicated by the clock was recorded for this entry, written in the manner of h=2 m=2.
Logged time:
h=11 m=36
